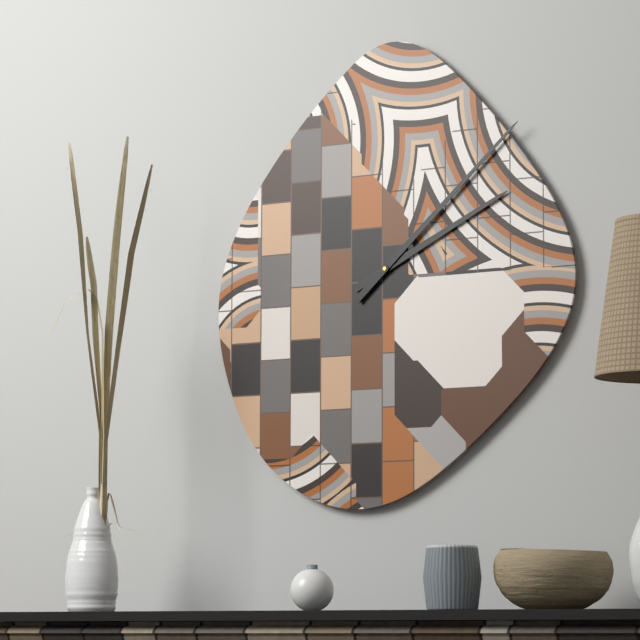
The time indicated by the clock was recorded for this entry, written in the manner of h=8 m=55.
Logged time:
h=2 m=8
